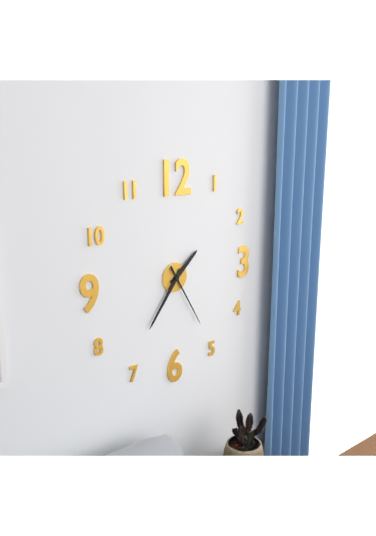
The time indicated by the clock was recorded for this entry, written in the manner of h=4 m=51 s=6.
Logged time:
h=1 m=36 s=25
